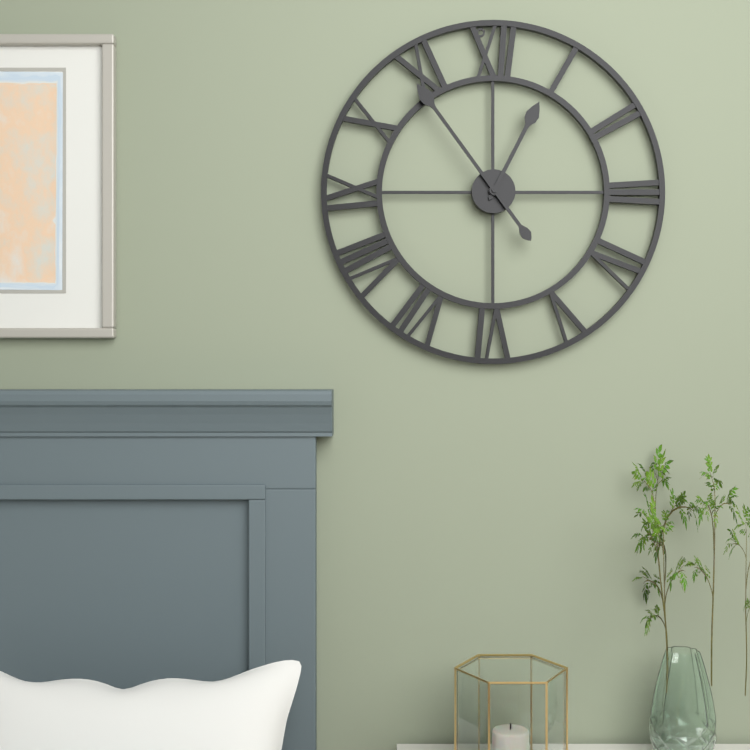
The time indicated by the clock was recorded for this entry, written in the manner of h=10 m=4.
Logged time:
h=12 m=54
